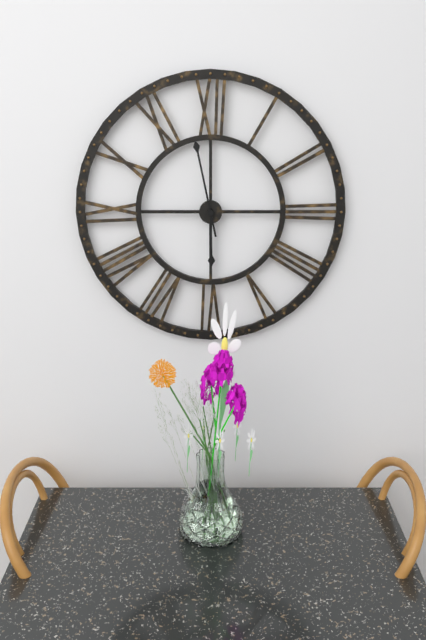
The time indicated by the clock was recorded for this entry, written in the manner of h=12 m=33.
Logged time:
h=5 m=58
